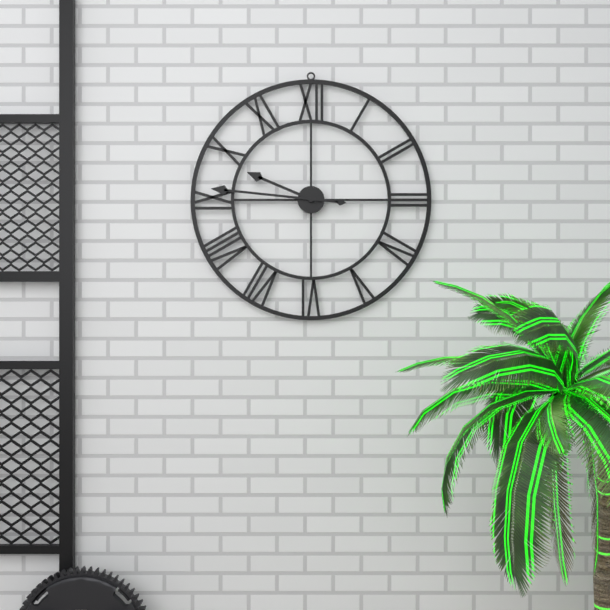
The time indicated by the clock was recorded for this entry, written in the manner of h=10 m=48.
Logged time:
h=9 m=46
